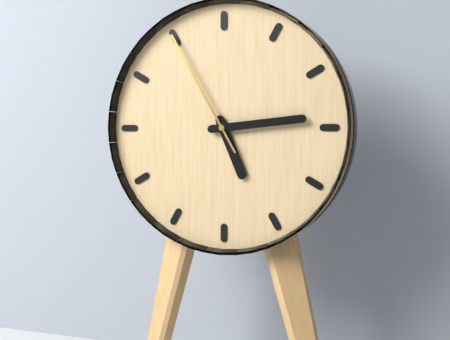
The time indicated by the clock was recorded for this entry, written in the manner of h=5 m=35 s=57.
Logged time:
h=5 m=14 s=55
